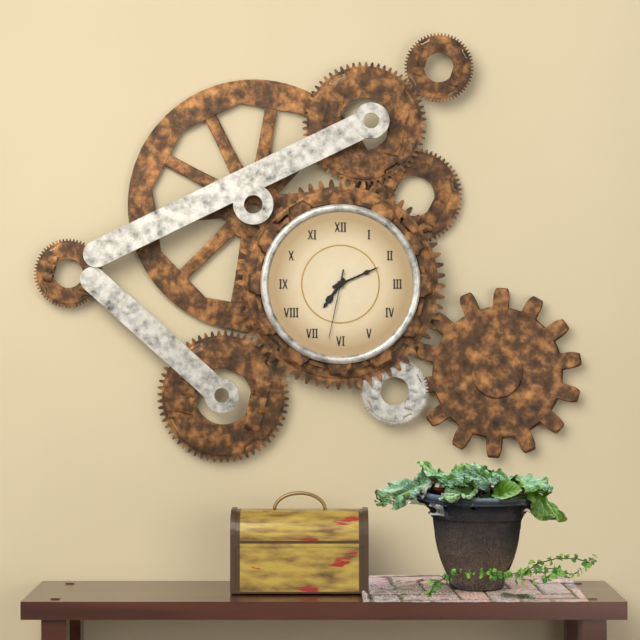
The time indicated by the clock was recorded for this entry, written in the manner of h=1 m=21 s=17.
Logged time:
h=7 m=11 s=32
